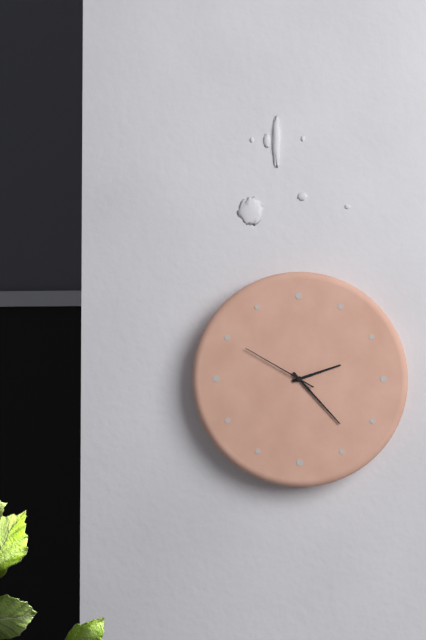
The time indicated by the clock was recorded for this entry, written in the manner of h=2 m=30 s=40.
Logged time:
h=2 m=23 s=50
